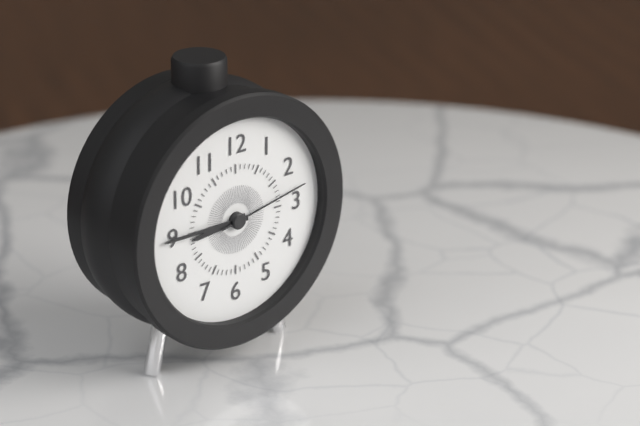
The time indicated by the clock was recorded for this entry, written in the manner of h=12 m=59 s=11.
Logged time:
h=8 m=45 s=13
